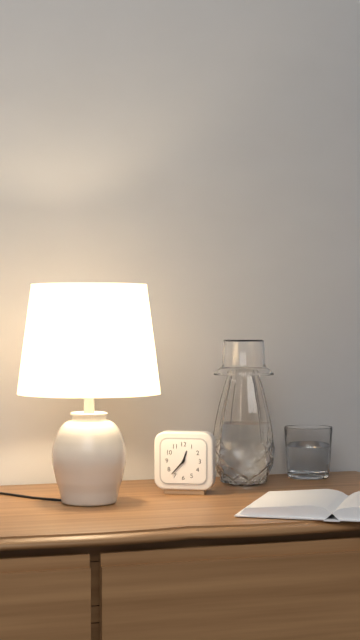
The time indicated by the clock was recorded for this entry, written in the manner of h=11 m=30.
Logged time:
h=12 m=37
